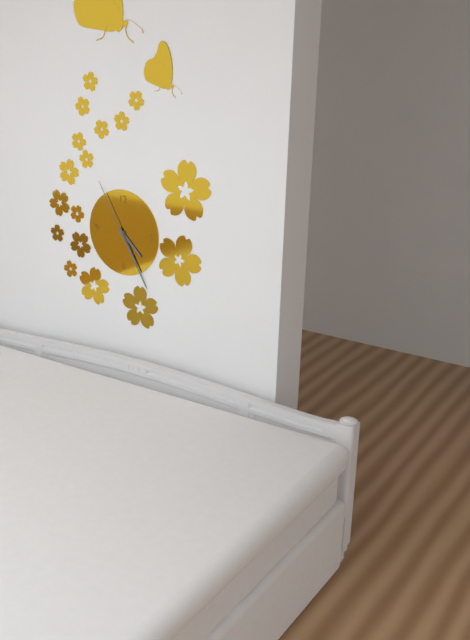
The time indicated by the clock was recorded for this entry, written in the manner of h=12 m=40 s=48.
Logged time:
h=4 m=25 s=55
